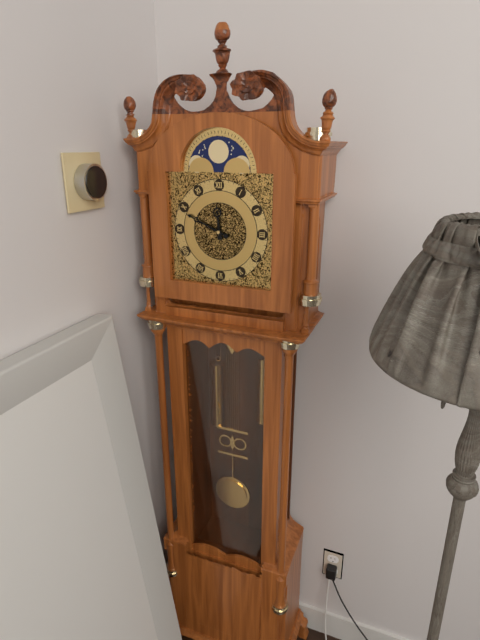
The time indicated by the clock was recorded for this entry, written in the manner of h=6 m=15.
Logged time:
h=11 m=49
